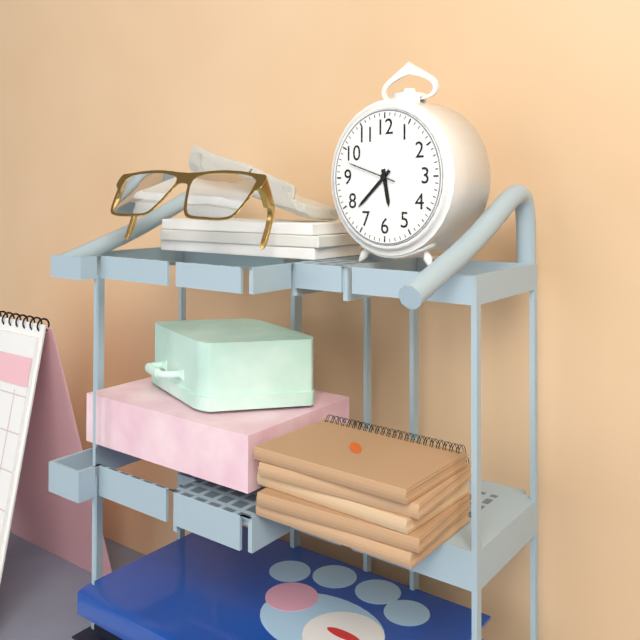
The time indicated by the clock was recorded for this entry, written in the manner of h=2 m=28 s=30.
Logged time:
h=5 m=38 s=48
